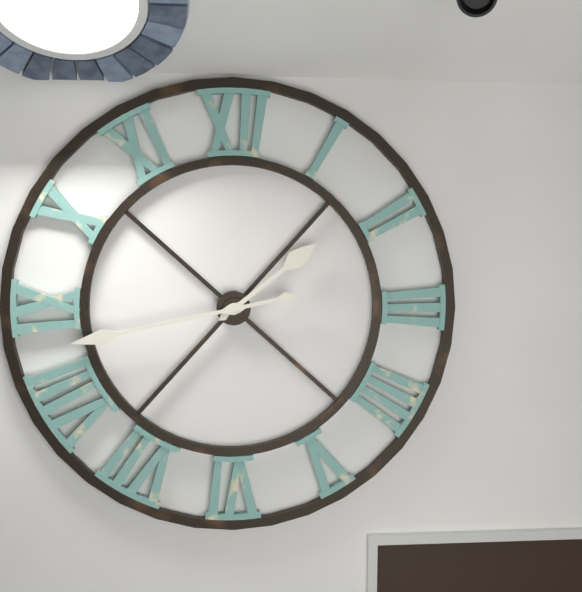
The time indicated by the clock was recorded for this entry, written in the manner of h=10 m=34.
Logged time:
h=1 m=43
